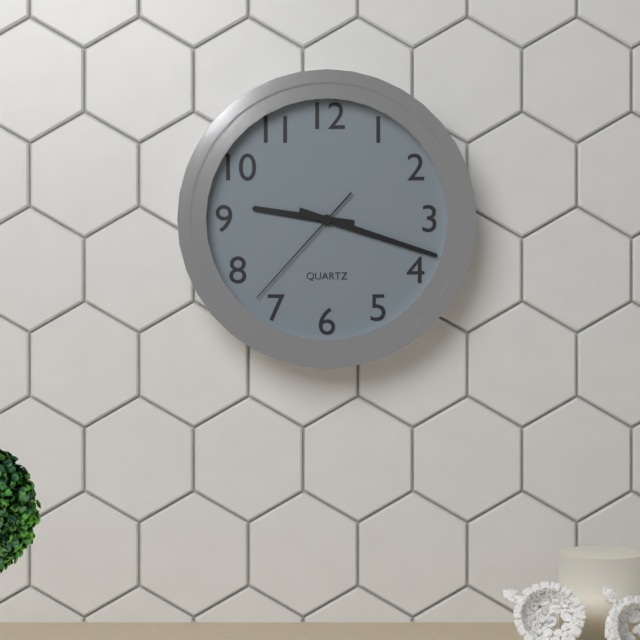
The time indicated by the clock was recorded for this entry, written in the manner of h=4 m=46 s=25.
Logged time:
h=9 m=18 s=37
